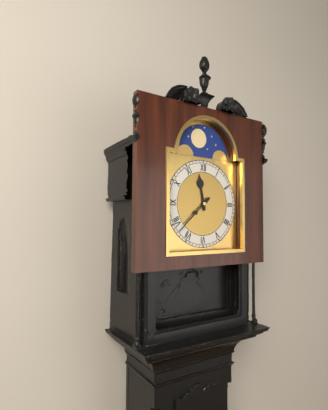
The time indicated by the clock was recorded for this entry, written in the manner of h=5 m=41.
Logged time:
h=11 m=38
